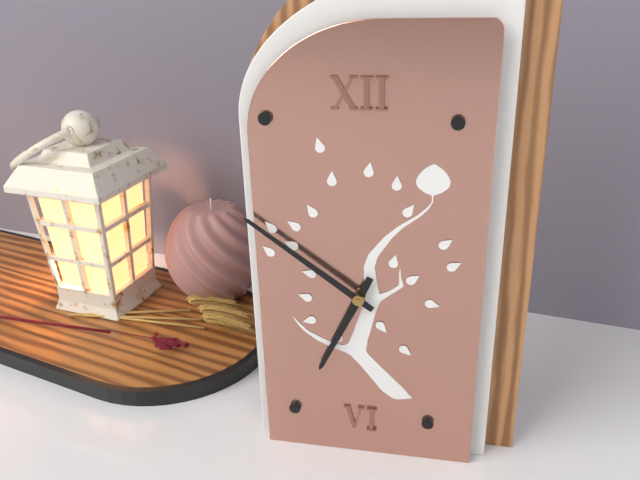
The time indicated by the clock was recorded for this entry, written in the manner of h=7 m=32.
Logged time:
h=6 m=51
